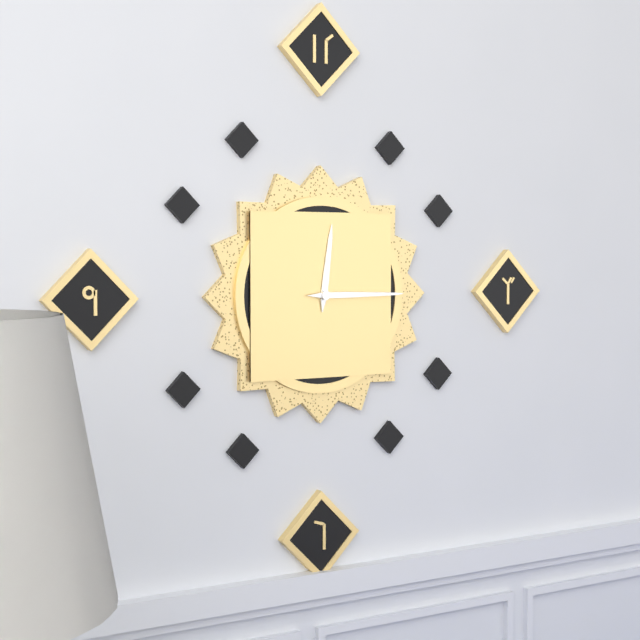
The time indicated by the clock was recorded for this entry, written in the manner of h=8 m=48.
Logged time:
h=12 m=15
